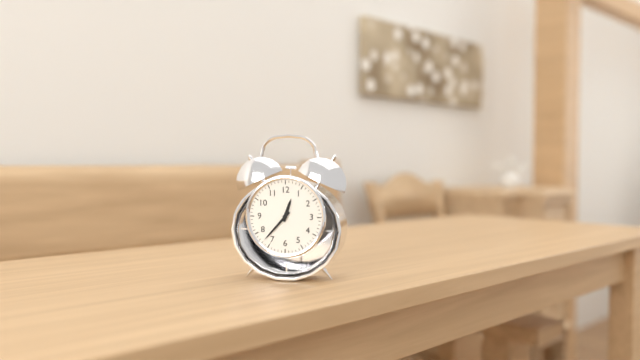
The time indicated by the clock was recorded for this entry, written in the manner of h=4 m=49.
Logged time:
h=12 m=37
